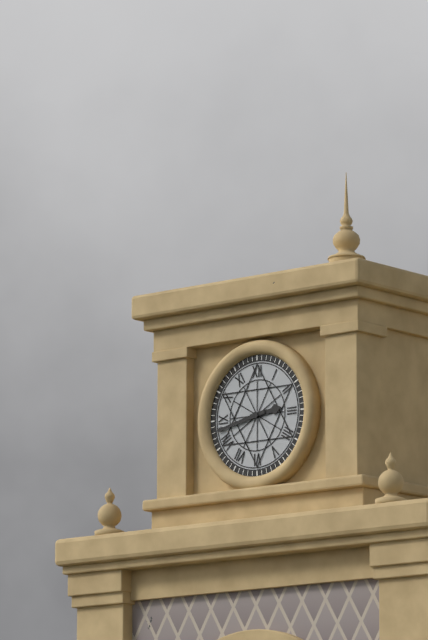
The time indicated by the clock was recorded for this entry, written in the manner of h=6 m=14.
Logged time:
h=2 m=43
